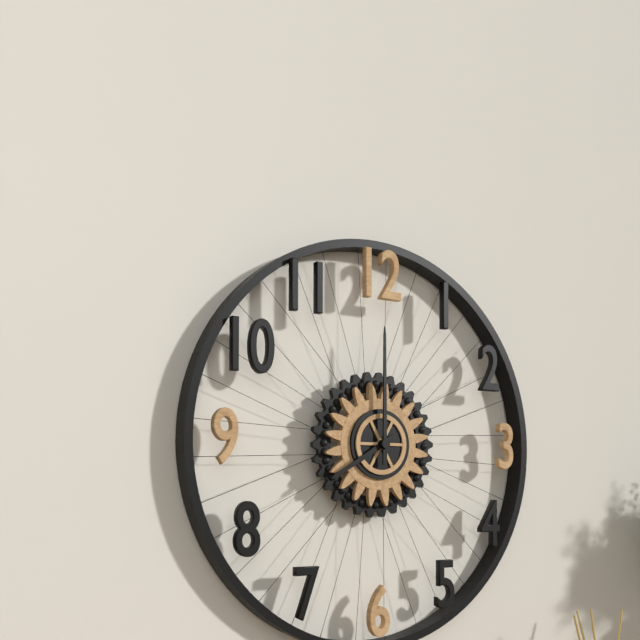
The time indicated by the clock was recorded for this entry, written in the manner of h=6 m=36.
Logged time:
h=8 m=0
